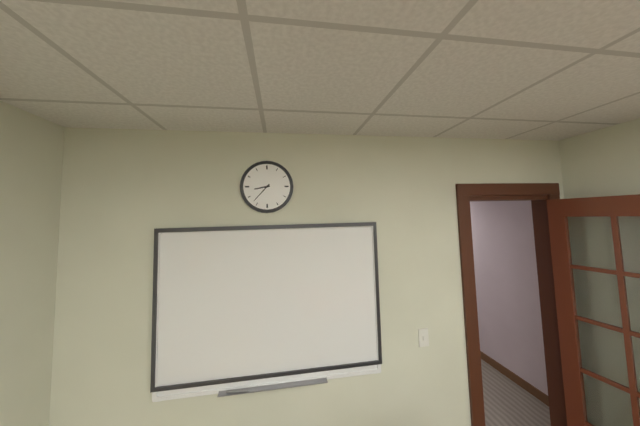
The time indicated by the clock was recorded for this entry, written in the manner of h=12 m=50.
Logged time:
h=8 m=37
